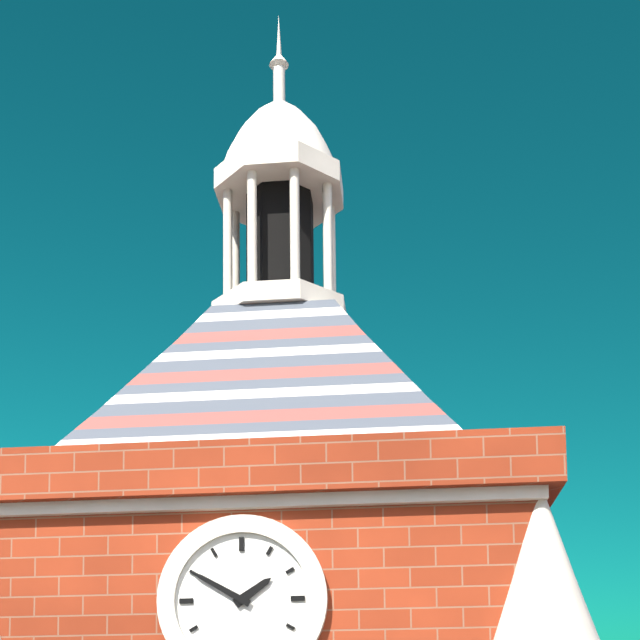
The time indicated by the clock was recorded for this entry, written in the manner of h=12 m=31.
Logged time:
h=1 m=50
